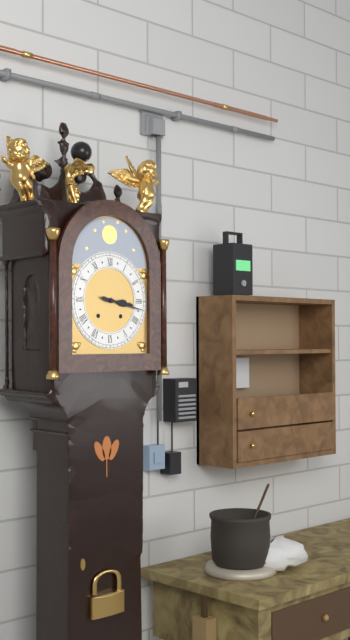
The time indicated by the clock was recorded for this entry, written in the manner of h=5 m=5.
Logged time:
h=3 m=17
